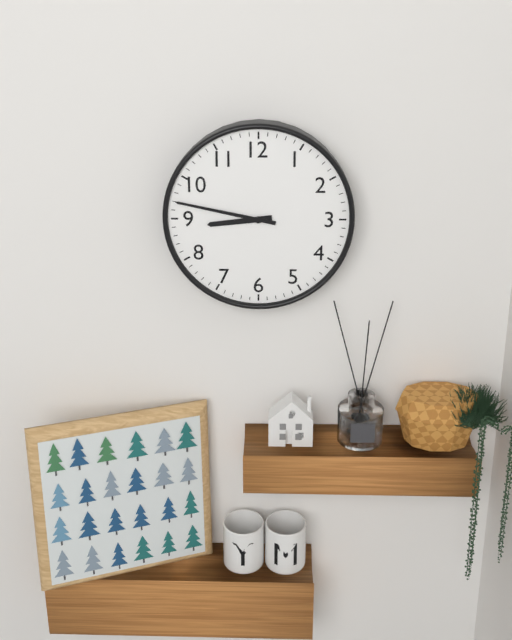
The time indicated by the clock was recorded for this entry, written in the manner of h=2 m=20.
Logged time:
h=8 m=47
